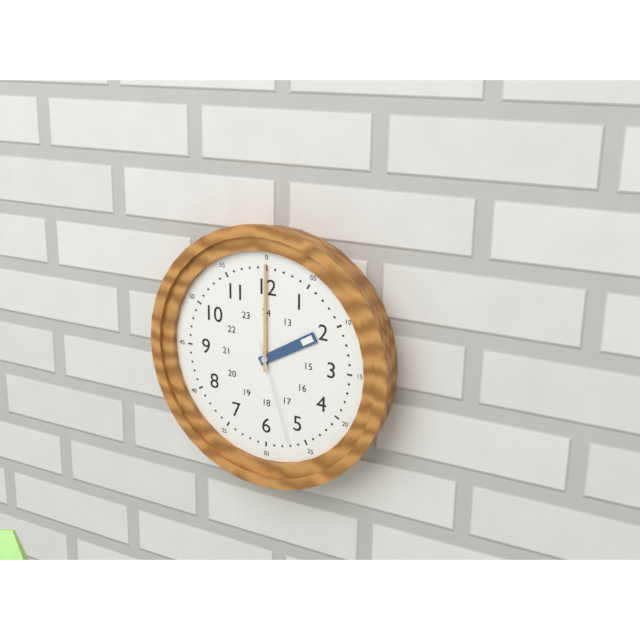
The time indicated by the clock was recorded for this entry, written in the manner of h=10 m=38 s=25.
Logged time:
h=2 m=0 s=27
